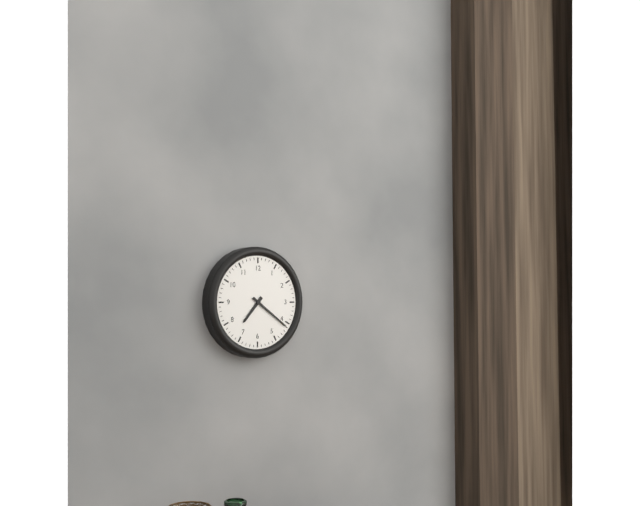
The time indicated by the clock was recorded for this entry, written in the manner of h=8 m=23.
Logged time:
h=7 m=21
